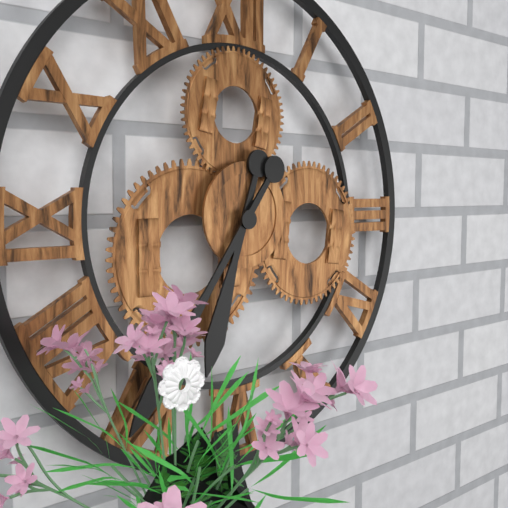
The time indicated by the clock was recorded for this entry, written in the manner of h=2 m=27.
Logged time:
h=6 m=36
